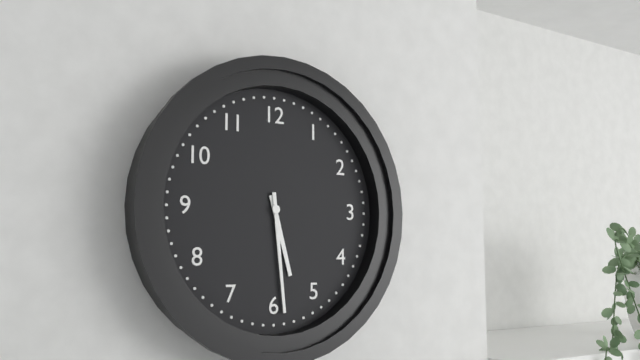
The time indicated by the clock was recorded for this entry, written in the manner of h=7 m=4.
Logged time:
h=5 m=29
